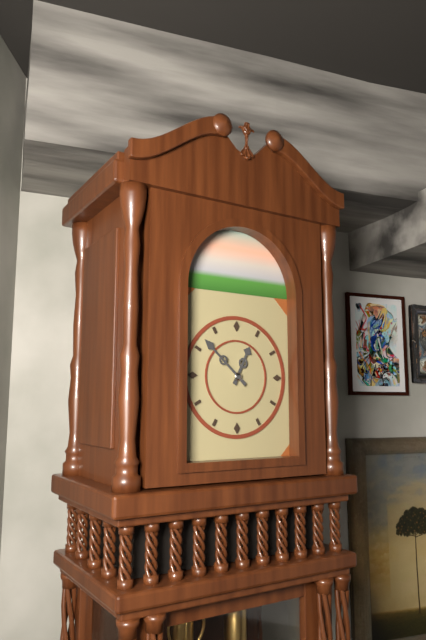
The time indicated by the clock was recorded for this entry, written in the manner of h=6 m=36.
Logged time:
h=12 m=52
